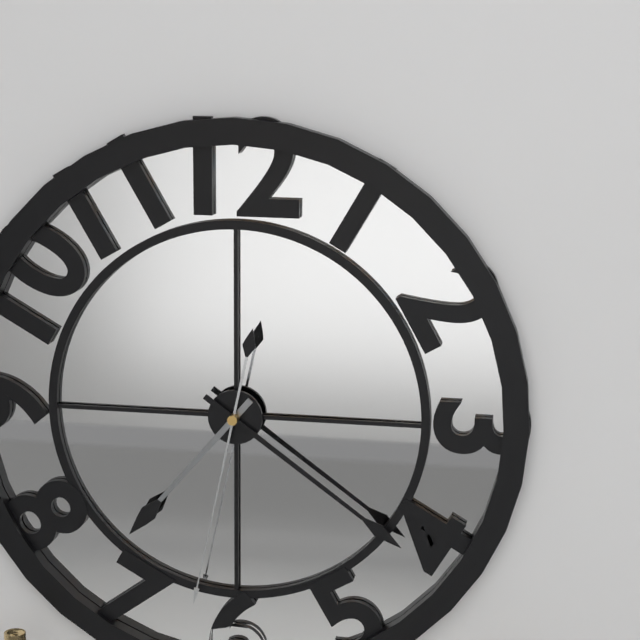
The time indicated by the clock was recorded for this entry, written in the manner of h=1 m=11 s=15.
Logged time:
h=7 m=21 s=32
